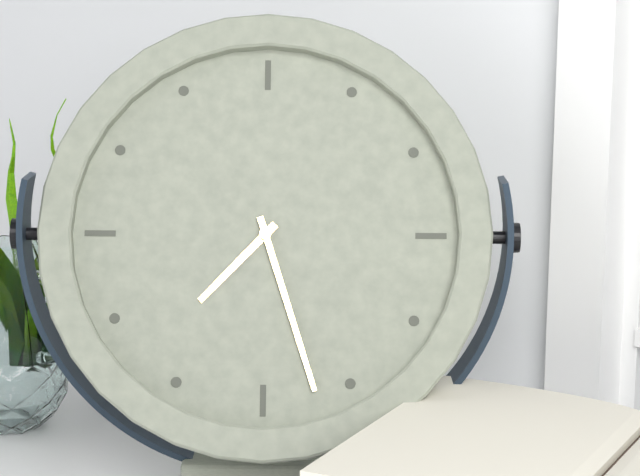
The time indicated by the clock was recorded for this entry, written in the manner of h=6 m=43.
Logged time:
h=7 m=27
